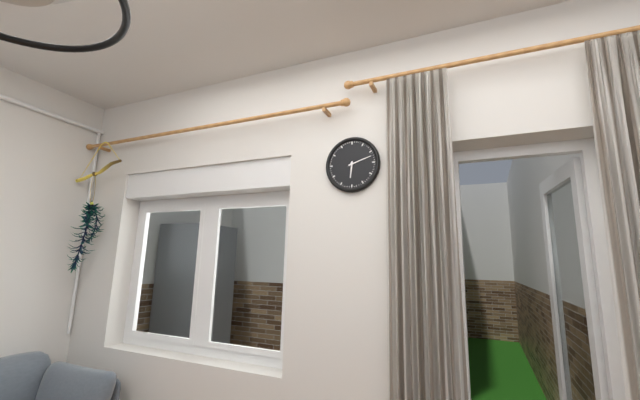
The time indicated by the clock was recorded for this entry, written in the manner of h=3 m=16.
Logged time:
h=6 m=12
